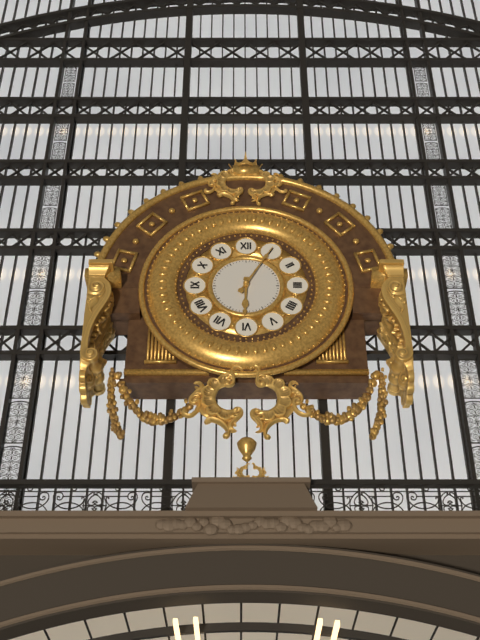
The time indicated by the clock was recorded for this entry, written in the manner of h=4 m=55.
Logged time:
h=6 m=5
